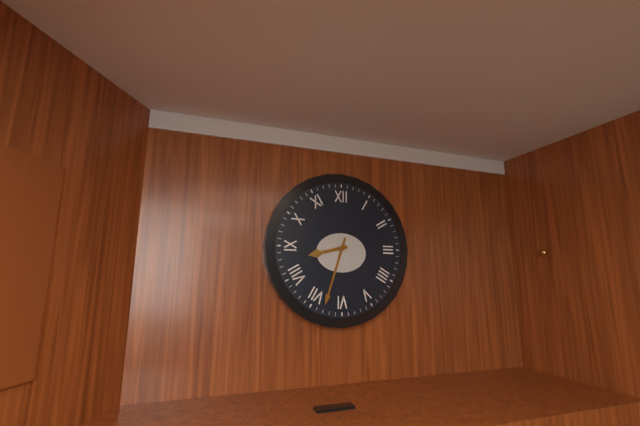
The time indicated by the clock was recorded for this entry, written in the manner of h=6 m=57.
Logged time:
h=8 m=33
